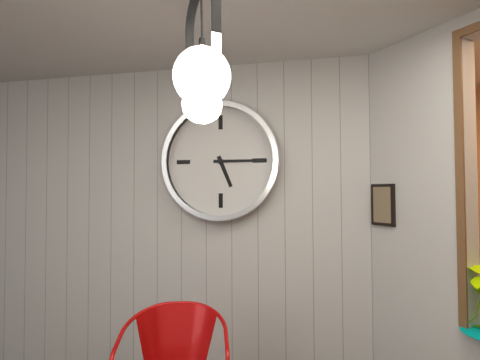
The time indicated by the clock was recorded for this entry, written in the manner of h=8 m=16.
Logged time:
h=5 m=15
